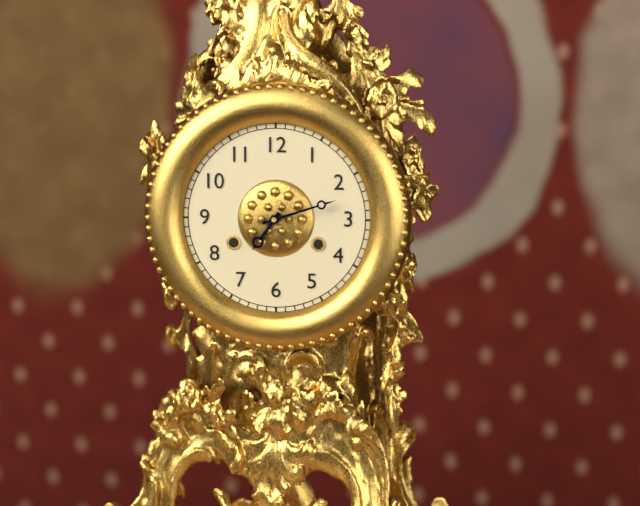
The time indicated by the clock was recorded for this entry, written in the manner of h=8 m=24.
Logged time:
h=7 m=12
